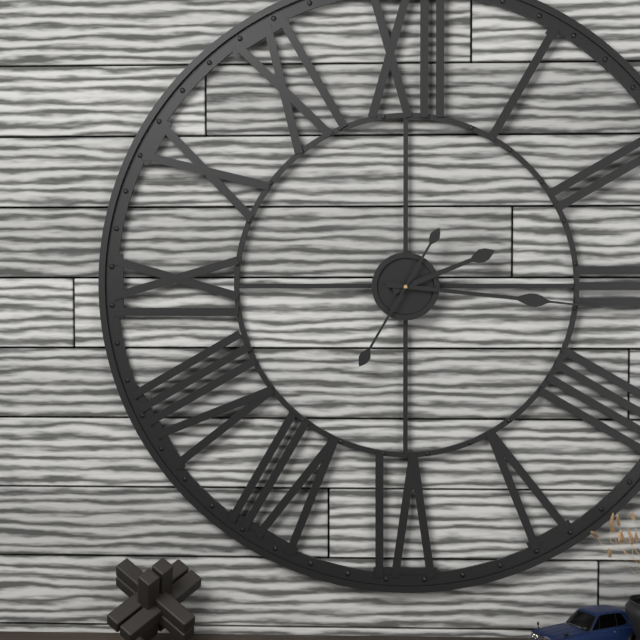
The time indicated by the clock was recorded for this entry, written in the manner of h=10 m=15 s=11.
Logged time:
h=2 m=16 s=35
